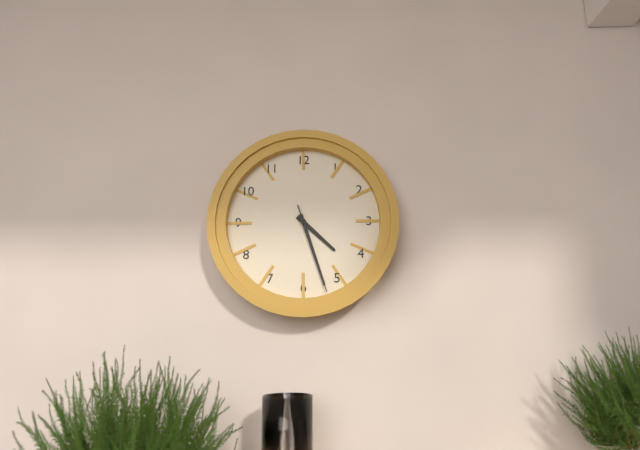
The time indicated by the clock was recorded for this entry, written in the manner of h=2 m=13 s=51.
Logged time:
h=4 m=27 s=27
